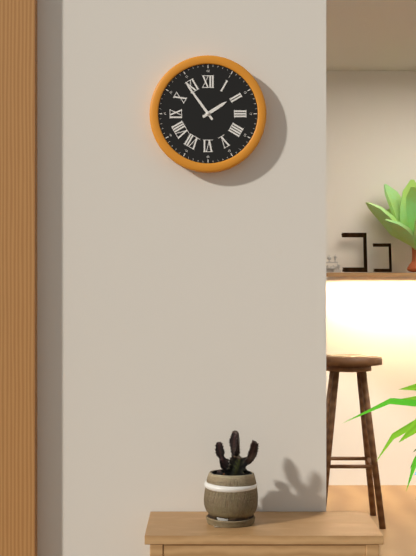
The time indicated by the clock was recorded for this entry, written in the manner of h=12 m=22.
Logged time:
h=1 m=54
